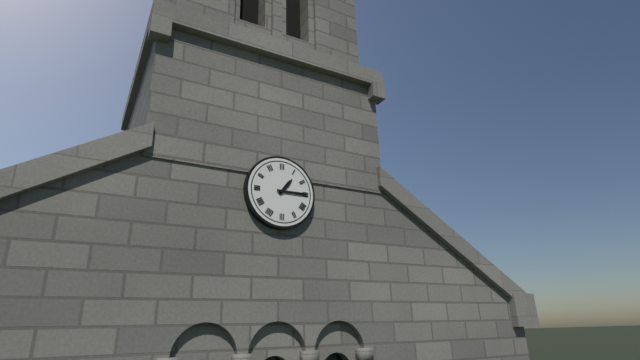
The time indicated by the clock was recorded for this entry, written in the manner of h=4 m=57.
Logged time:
h=1 m=15
